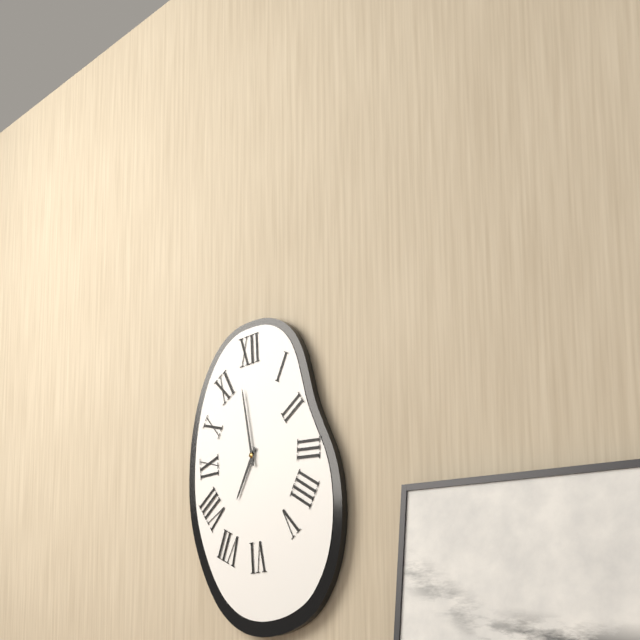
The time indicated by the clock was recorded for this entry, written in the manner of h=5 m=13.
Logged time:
h=6 m=58
